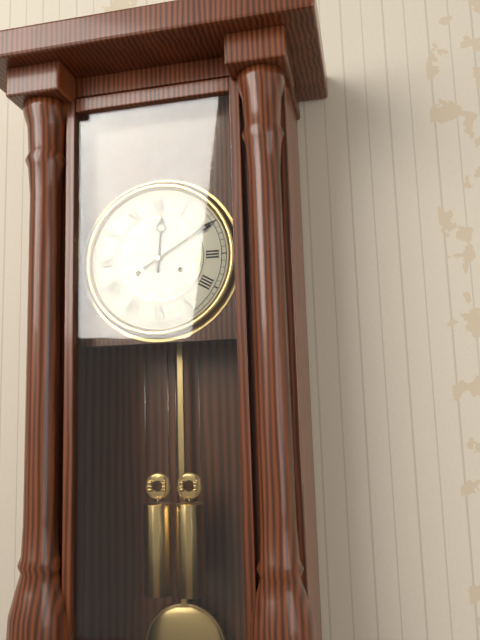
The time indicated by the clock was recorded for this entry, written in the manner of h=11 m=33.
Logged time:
h=12 m=10
